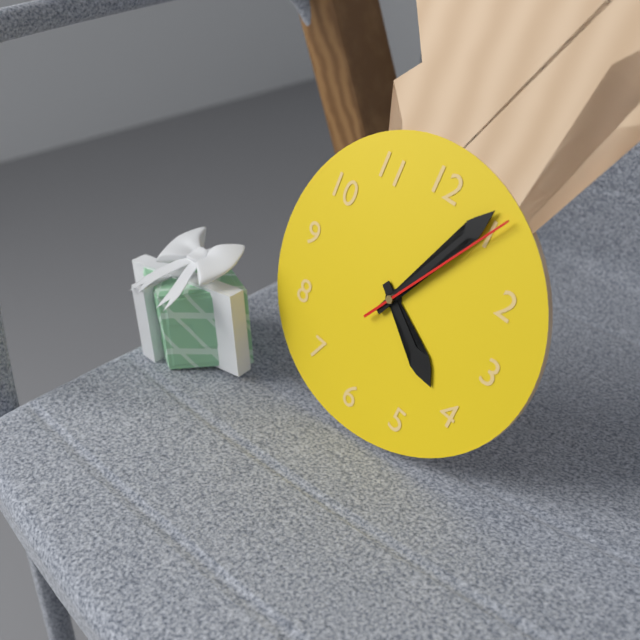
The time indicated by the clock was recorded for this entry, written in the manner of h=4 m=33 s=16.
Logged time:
h=4 m=4 s=5
